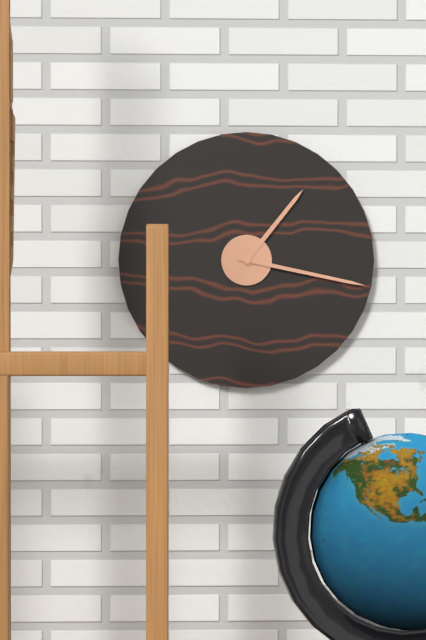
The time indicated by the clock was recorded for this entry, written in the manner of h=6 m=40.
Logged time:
h=1 m=17
